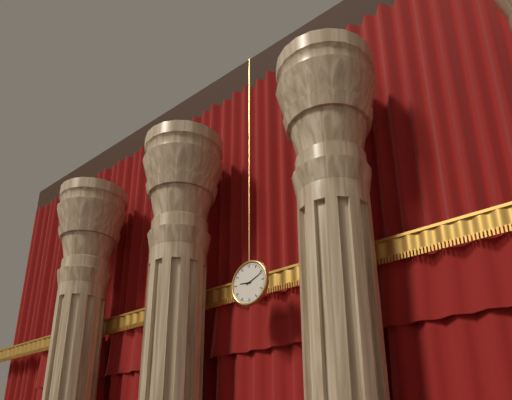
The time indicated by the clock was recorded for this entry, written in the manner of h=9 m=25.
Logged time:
h=9 m=11
